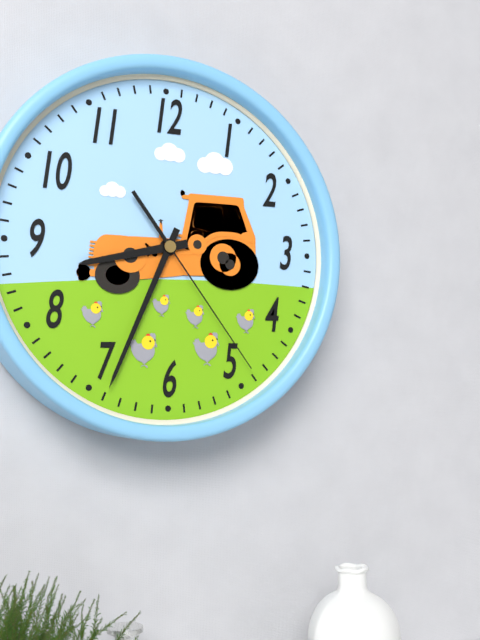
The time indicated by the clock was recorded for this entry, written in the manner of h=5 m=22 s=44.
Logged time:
h=8 m=34 s=24
